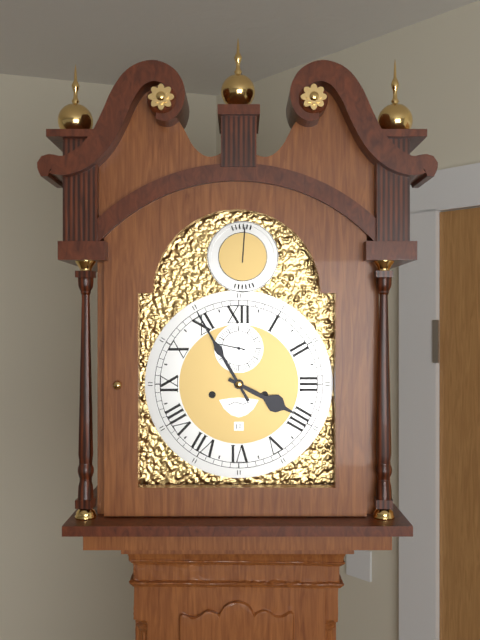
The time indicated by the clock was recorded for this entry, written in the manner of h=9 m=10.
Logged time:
h=3 m=55
